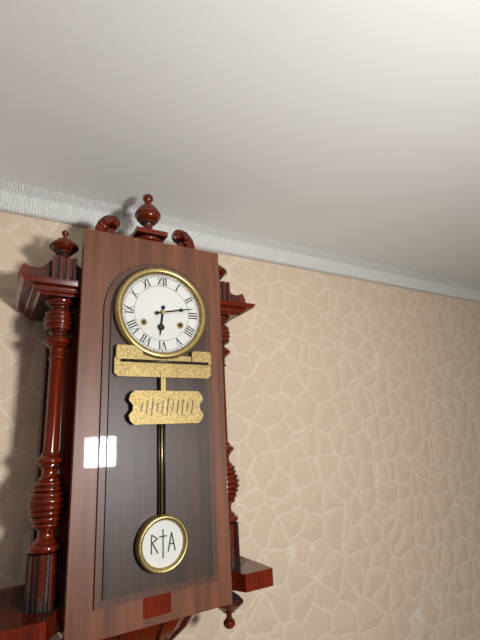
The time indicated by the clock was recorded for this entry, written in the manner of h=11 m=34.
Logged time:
h=6 m=13
